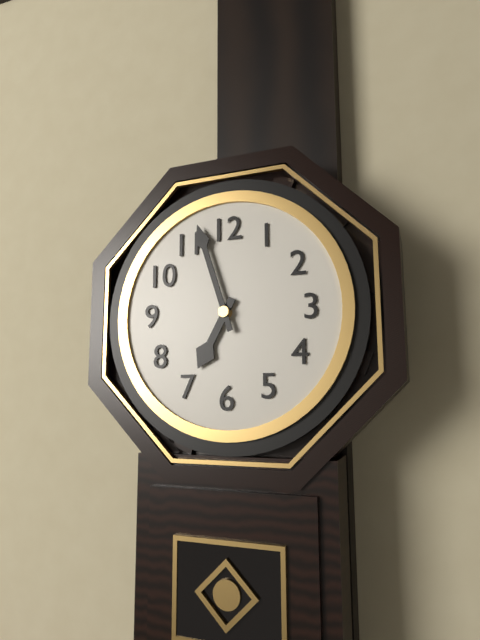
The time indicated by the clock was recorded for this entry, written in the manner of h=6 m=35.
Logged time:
h=6 m=57
